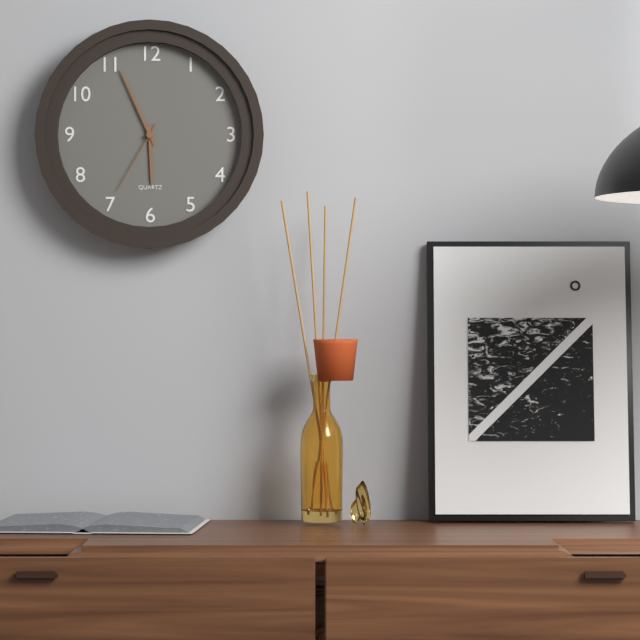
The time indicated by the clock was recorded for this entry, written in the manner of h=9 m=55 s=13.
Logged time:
h=5 m=56 s=35
